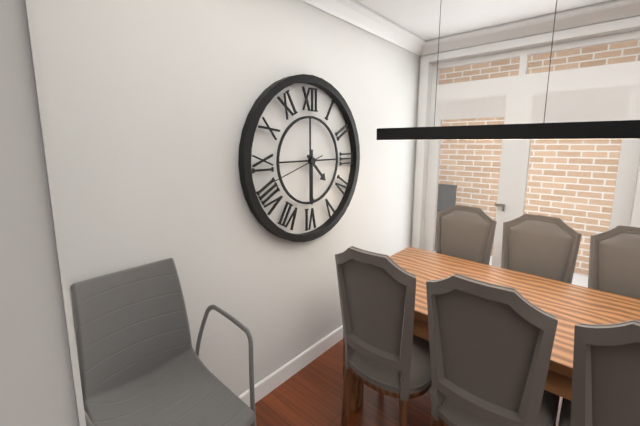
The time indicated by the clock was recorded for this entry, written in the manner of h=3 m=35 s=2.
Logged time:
h=4 m=30 s=42
